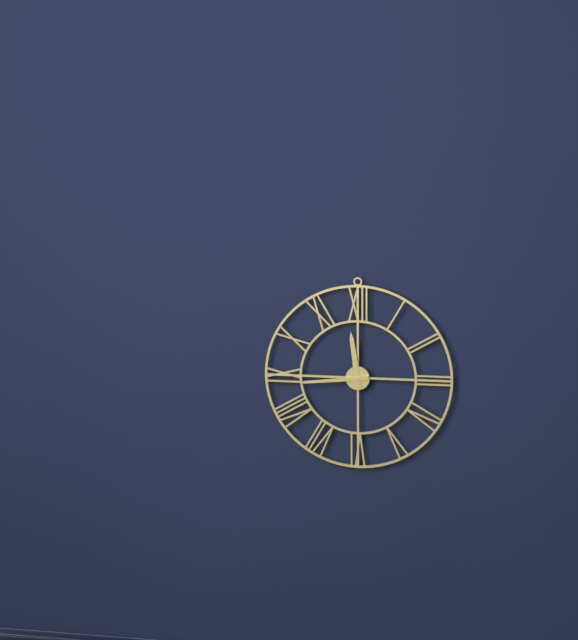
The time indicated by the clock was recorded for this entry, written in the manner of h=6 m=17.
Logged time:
h=11 m=44
